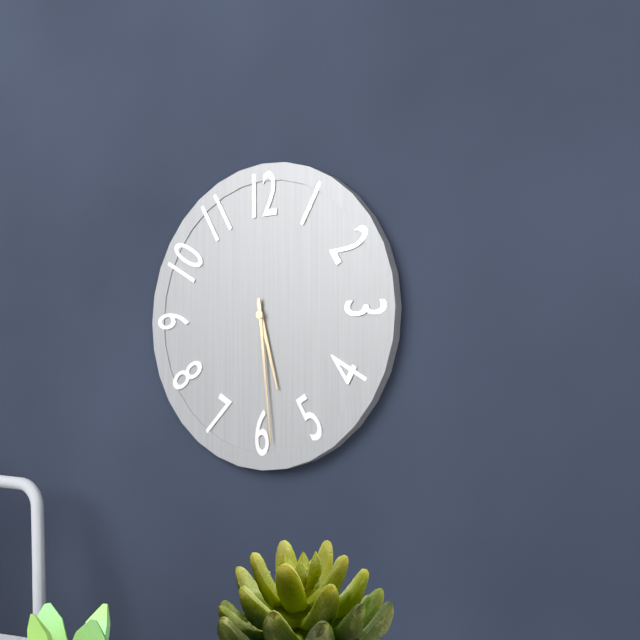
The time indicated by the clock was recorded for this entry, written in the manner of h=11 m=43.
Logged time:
h=5 m=29
